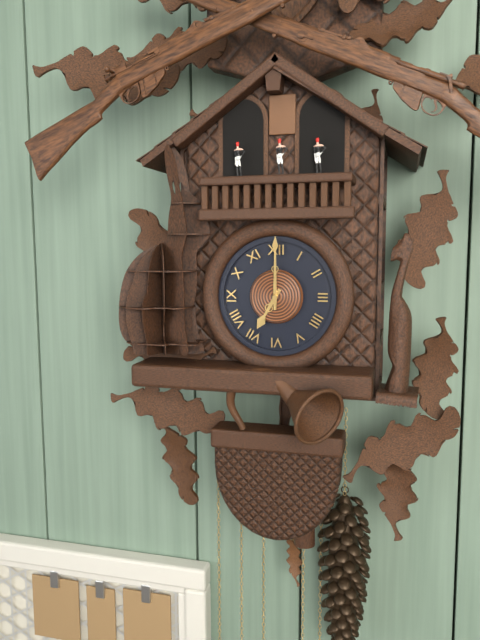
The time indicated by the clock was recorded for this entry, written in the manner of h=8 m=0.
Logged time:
h=7 m=0
